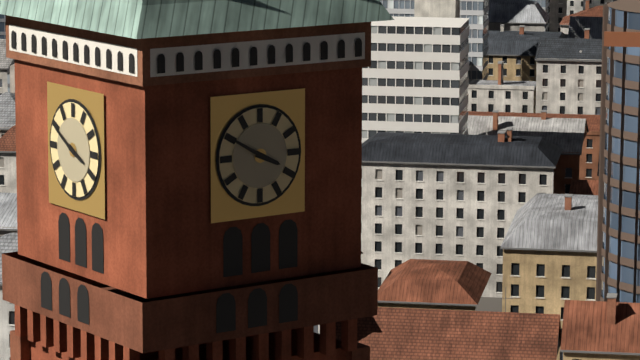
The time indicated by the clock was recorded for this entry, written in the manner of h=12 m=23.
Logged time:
h=3 m=50
